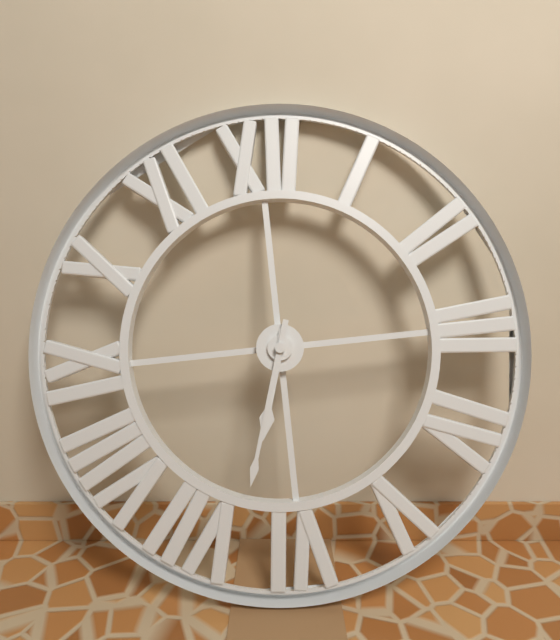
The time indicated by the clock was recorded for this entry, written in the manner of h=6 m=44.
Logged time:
h=6 m=33
